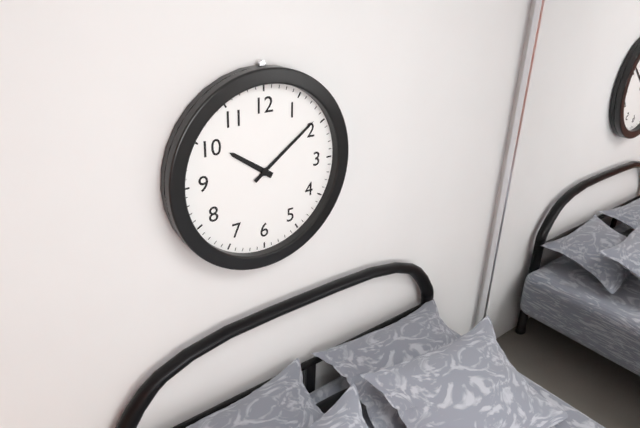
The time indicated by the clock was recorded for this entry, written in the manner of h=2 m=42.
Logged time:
h=10 m=9
